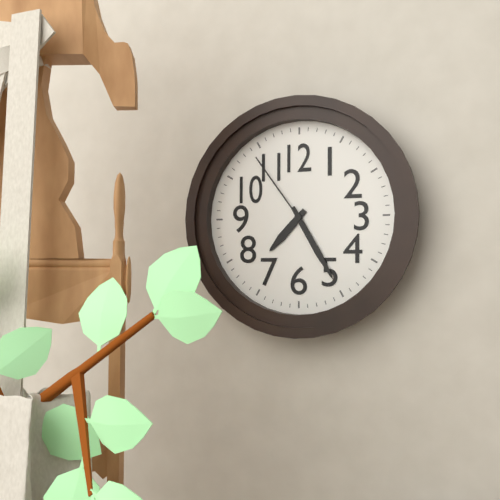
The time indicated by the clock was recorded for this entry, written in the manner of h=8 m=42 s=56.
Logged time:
h=7 m=25 s=54
